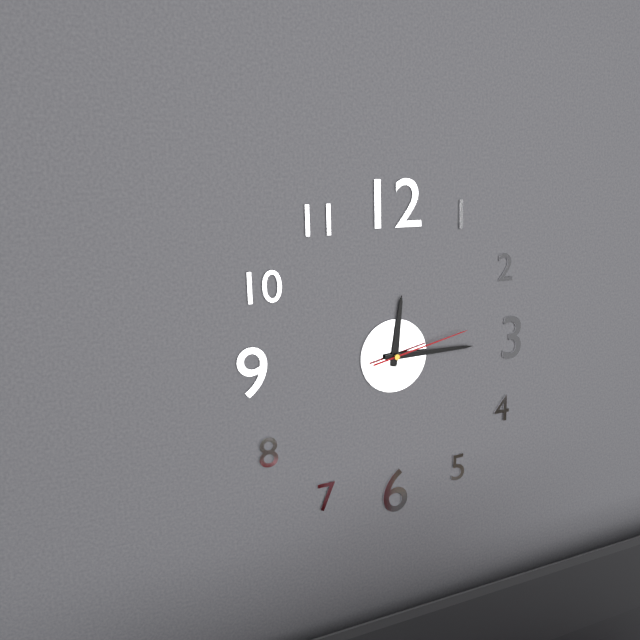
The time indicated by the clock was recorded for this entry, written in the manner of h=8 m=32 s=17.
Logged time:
h=12 m=15 s=13
